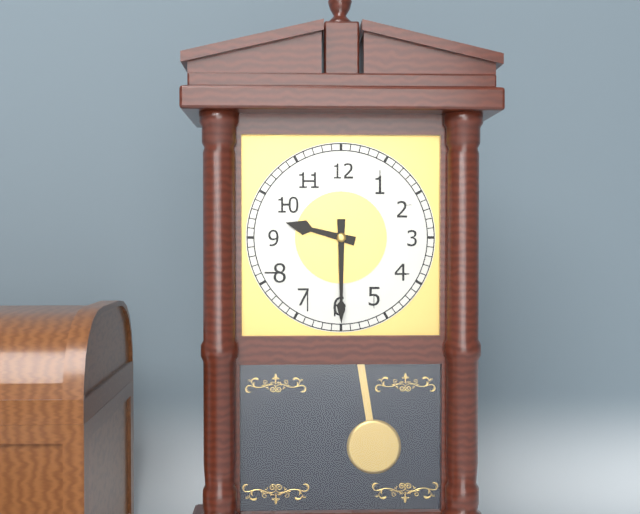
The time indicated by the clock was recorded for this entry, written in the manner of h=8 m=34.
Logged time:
h=9 m=30
